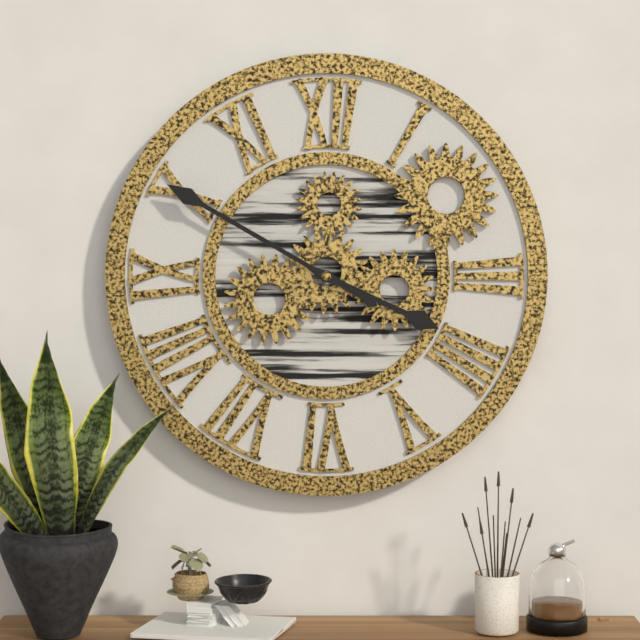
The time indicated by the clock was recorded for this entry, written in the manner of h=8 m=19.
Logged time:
h=3 m=50
